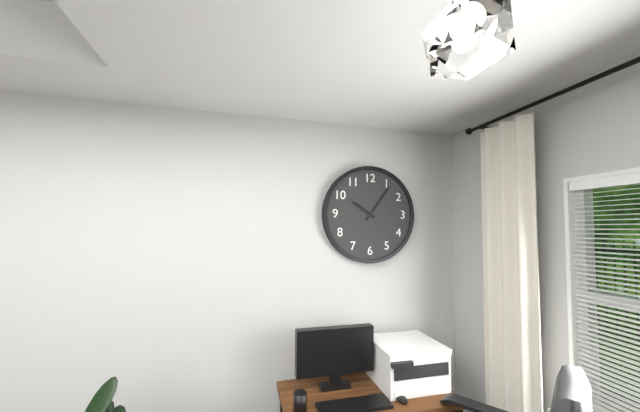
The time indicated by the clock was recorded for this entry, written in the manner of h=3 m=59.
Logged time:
h=10 m=6
